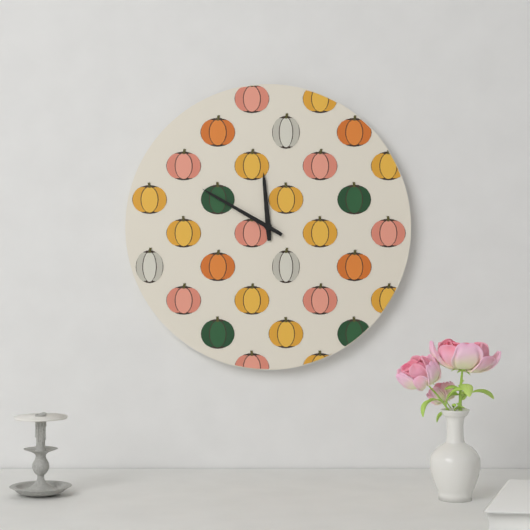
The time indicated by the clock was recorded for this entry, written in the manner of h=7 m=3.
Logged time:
h=11 m=50
